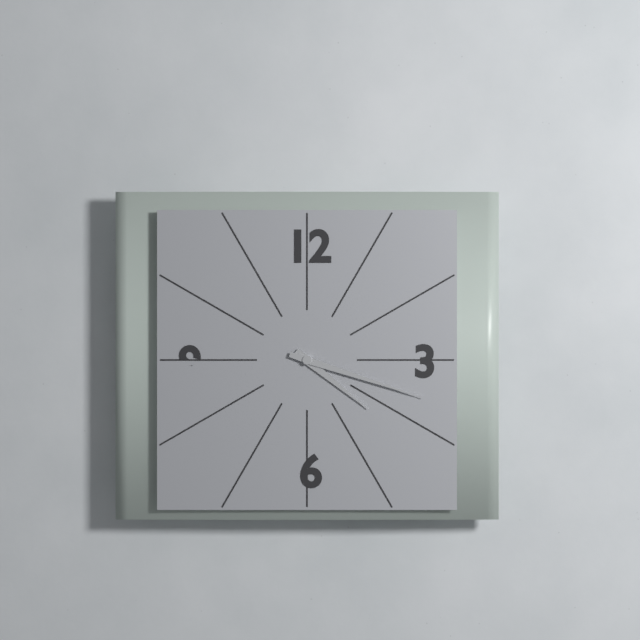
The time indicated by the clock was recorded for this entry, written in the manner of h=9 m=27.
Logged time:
h=4 m=18
